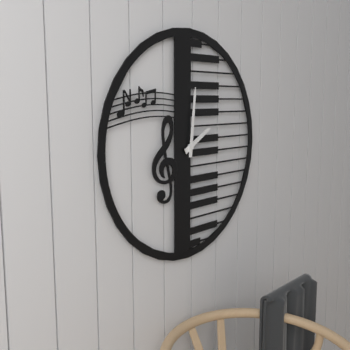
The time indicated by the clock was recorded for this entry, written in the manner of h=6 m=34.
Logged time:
h=2 m=1
